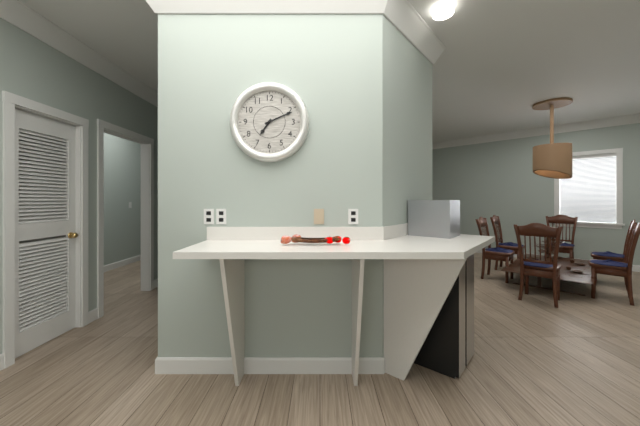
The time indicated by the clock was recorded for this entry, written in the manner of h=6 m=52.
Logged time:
h=7 m=11
